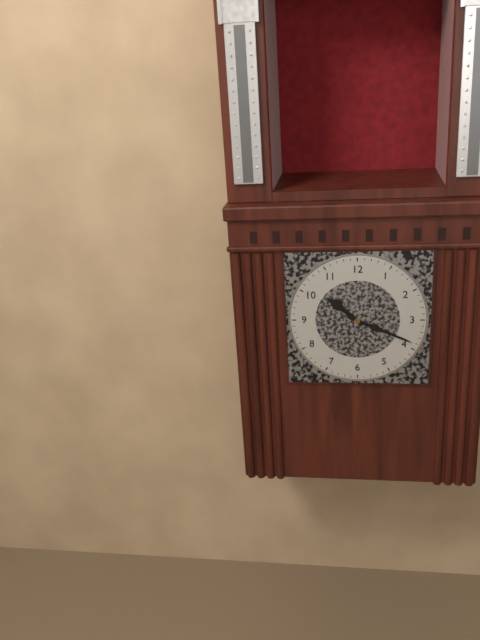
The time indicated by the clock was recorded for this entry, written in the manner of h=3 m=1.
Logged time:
h=10 m=19
